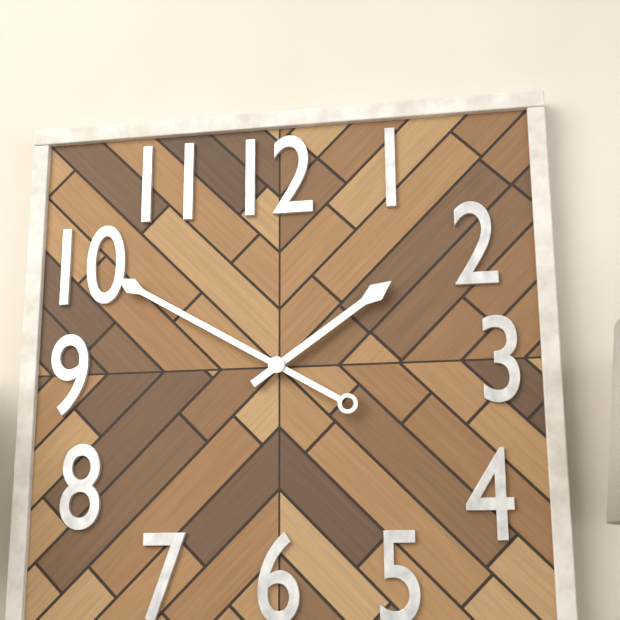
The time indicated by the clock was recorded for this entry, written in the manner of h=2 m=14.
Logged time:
h=1 m=50
